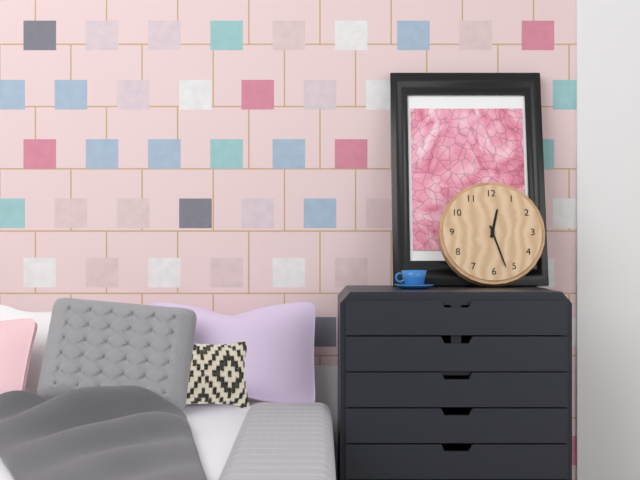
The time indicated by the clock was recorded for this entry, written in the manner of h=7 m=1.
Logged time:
h=12 m=27
